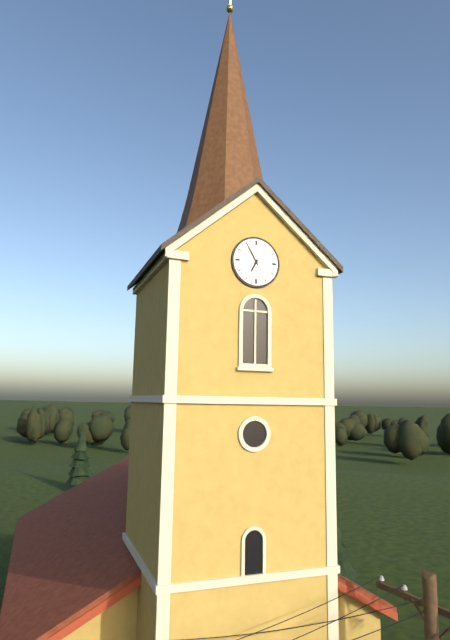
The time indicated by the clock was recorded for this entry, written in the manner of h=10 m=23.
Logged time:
h=6 m=55
